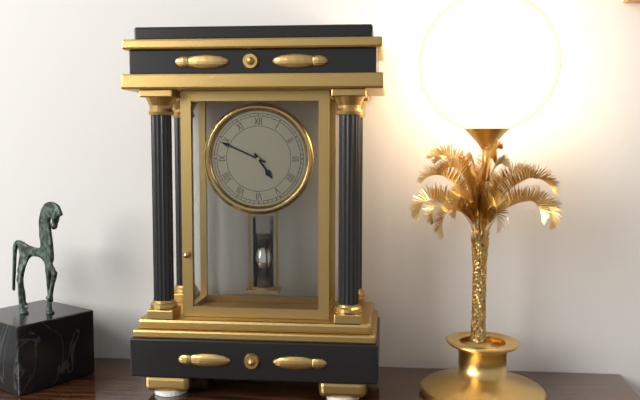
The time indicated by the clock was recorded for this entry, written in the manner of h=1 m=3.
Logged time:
h=4 m=49
